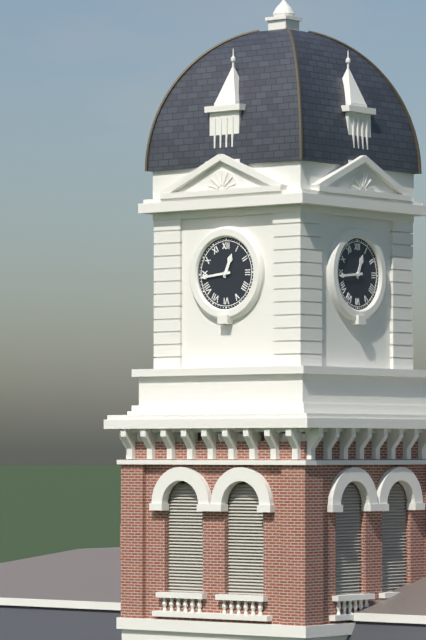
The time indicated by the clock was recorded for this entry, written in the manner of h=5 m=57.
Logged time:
h=12 m=44
